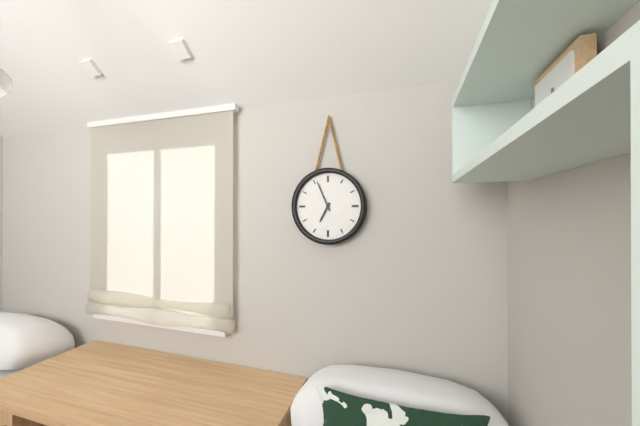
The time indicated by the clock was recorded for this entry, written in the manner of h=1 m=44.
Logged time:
h=6 m=56
